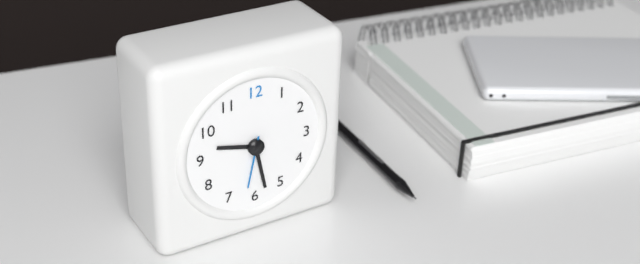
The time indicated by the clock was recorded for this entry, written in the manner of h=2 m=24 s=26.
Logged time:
h=9 m=28 s=32
